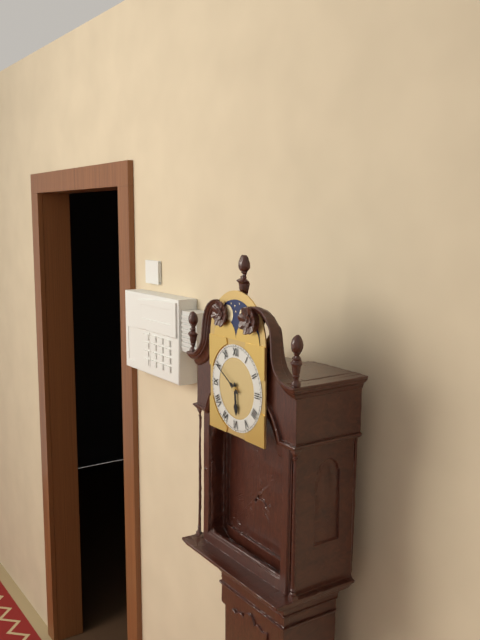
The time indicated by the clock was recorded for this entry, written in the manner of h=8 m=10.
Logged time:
h=5 m=50
